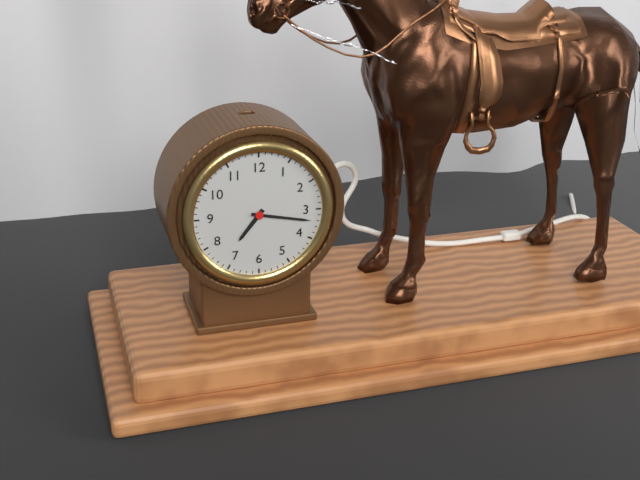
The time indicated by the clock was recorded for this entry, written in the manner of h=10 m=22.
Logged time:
h=7 m=17
